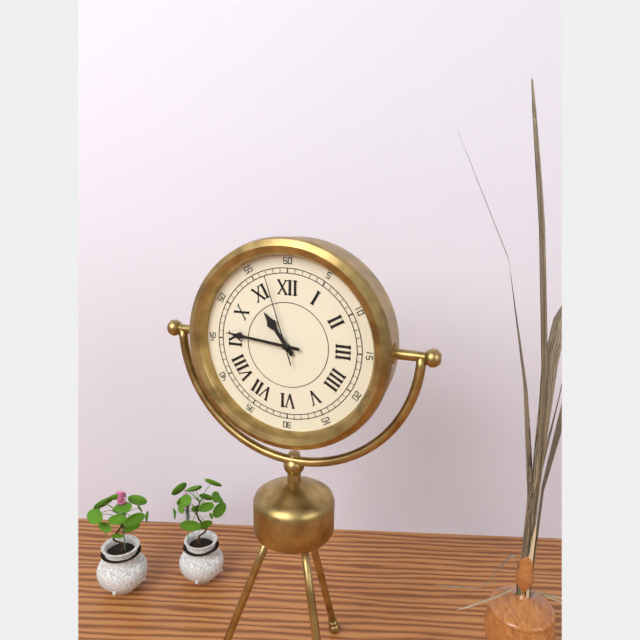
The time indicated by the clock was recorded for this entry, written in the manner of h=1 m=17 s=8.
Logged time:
h=10 m=46 s=57
